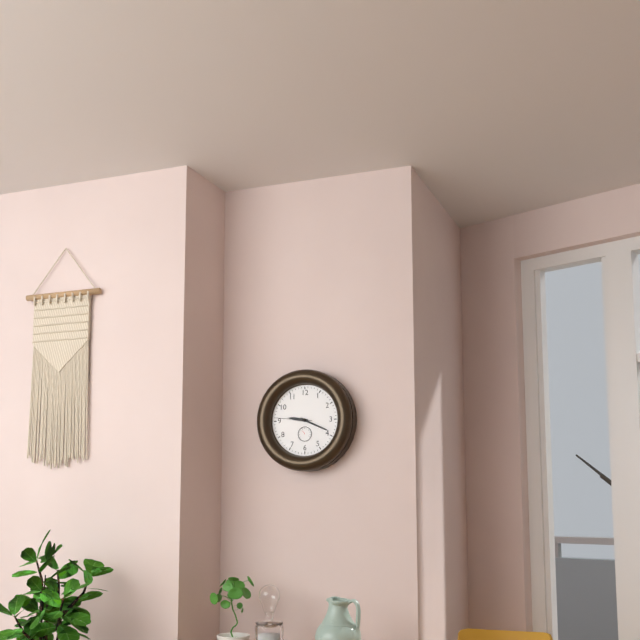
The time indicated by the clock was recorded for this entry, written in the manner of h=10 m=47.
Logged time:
h=9 m=19
